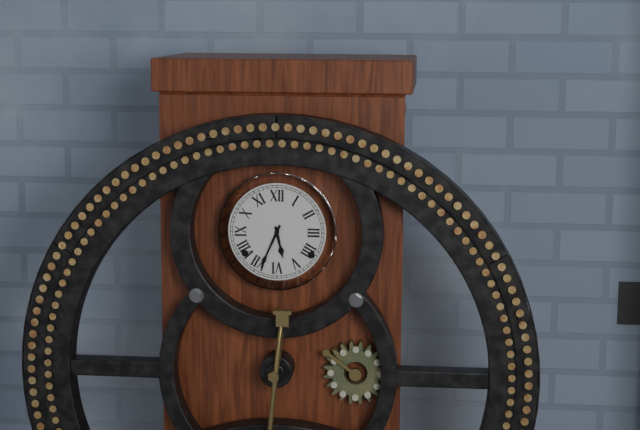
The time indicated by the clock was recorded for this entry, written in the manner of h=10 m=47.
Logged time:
h=5 m=34
